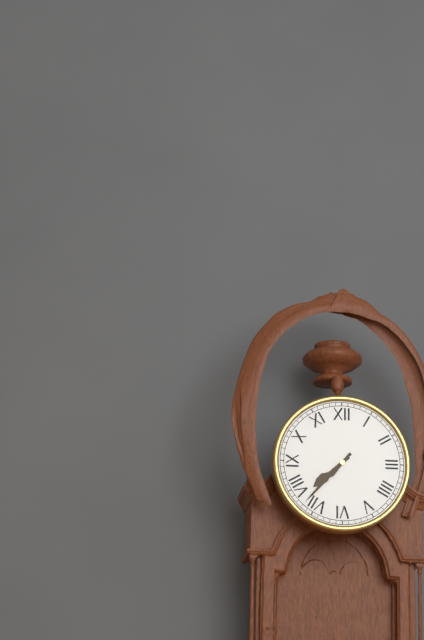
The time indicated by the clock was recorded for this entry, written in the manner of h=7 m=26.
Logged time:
h=7 m=37
